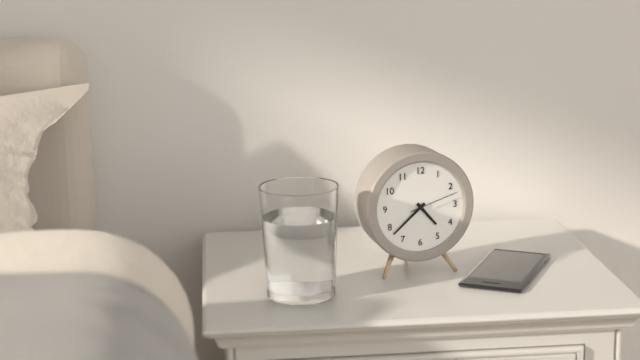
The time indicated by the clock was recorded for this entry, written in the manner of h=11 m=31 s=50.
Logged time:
h=4 m=38 s=12
